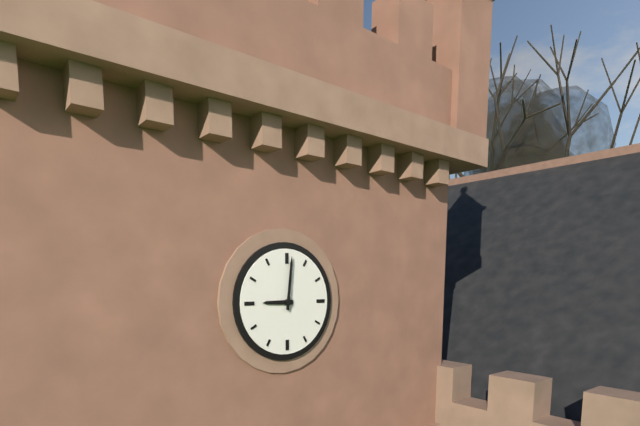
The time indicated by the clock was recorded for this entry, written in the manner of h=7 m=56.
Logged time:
h=9 m=1
